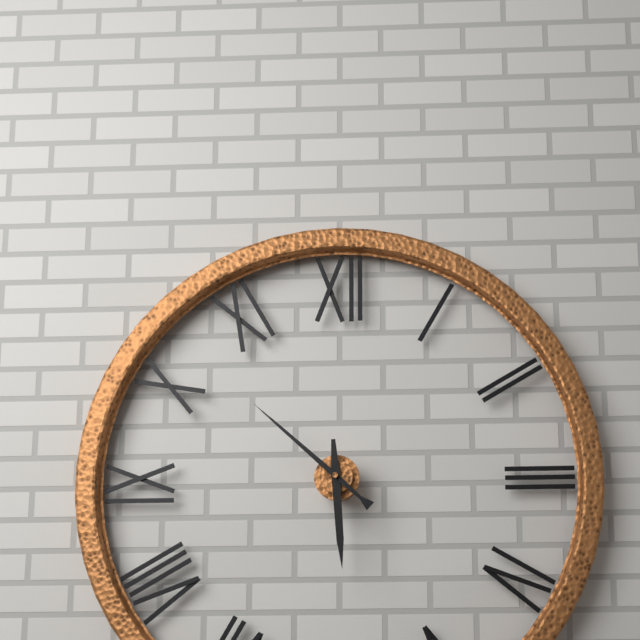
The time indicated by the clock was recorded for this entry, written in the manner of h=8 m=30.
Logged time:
h=5 m=52
